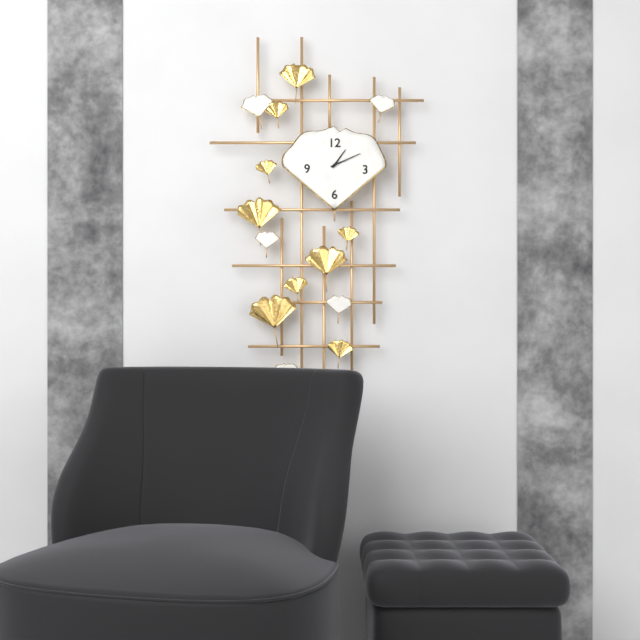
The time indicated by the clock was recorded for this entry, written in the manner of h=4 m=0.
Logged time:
h=1 m=11
